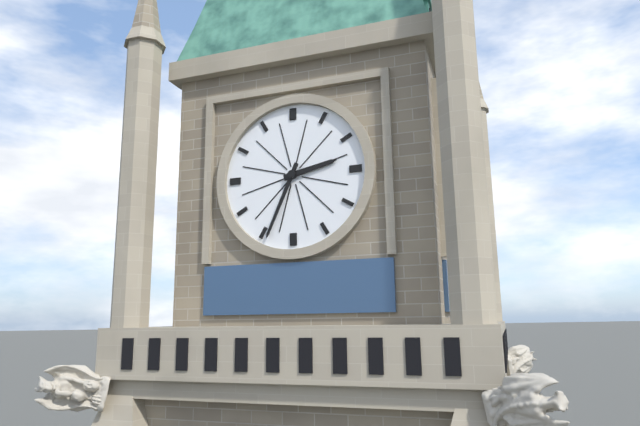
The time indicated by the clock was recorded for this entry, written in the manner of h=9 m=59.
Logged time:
h=2 m=34
